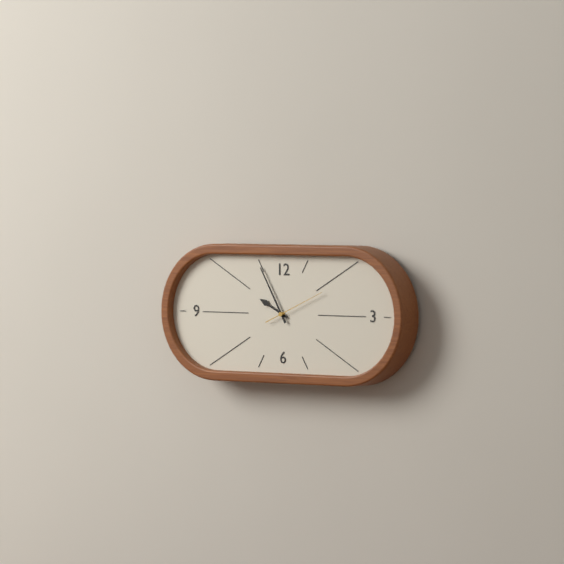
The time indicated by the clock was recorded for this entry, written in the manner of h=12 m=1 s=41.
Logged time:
h=9 m=55 s=11
